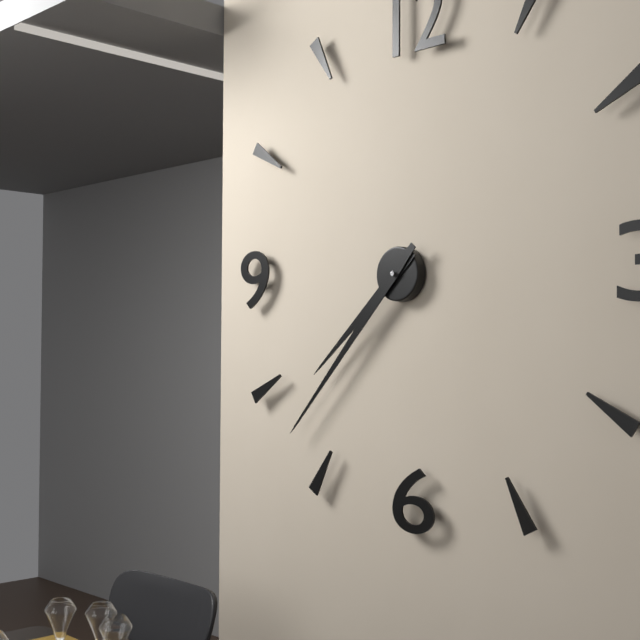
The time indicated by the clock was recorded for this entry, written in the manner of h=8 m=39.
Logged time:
h=7 m=37
